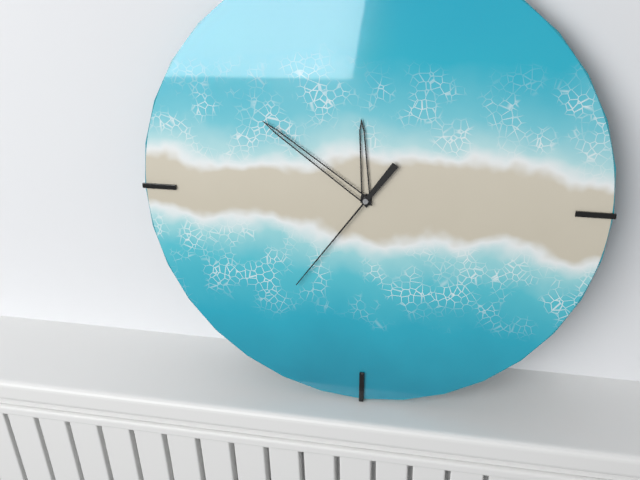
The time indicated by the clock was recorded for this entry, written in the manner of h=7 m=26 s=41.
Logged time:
h=11 m=51 s=36
